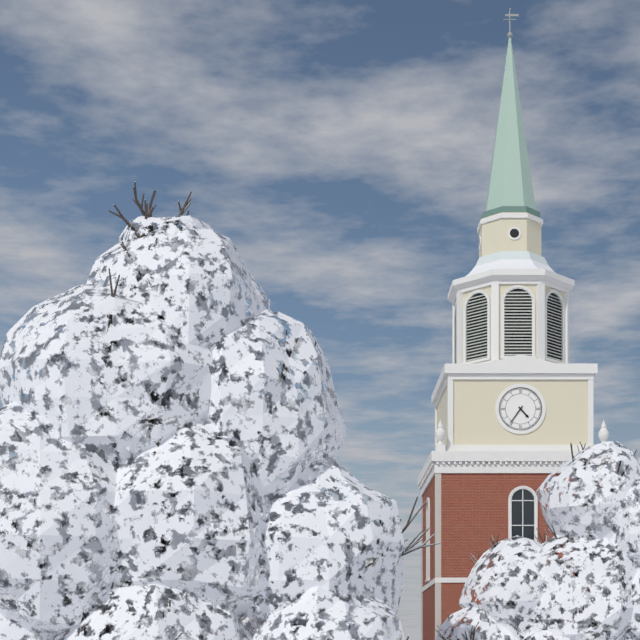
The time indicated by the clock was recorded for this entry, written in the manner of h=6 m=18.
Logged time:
h=4 m=36
